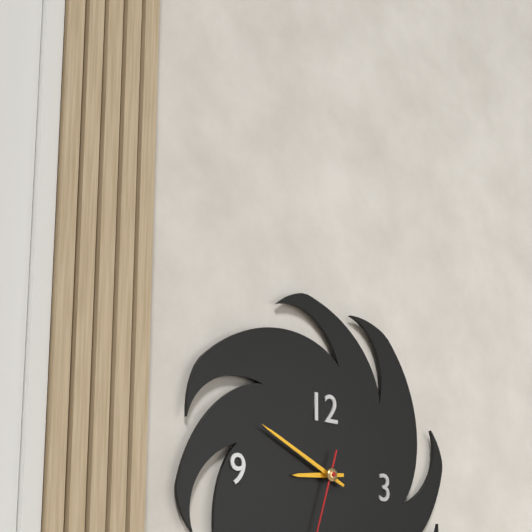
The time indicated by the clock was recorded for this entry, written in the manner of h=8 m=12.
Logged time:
h=8 m=49
